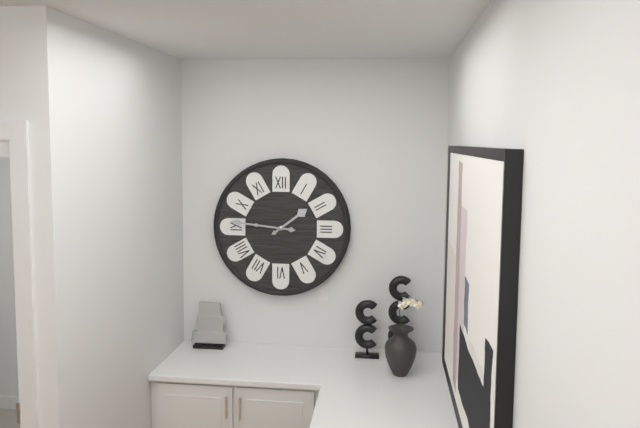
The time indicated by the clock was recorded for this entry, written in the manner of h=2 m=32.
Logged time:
h=1 m=46
